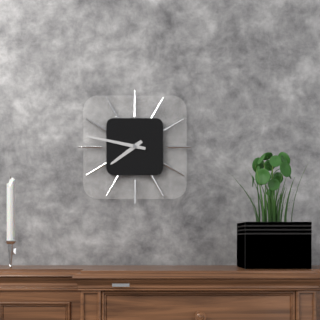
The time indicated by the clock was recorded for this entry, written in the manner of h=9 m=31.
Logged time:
h=7 m=47
